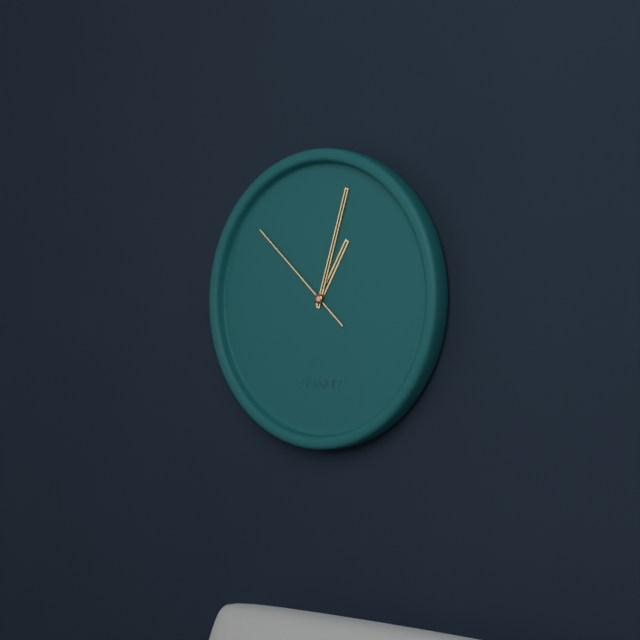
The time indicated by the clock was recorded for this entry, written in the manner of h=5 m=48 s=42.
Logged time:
h=1 m=3 s=52
